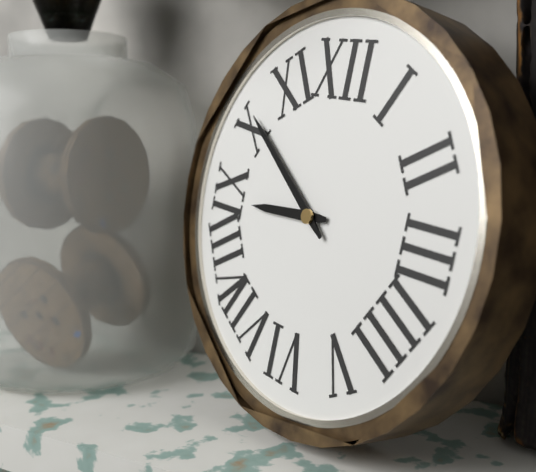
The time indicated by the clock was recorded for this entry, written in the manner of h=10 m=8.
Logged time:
h=8 m=51
